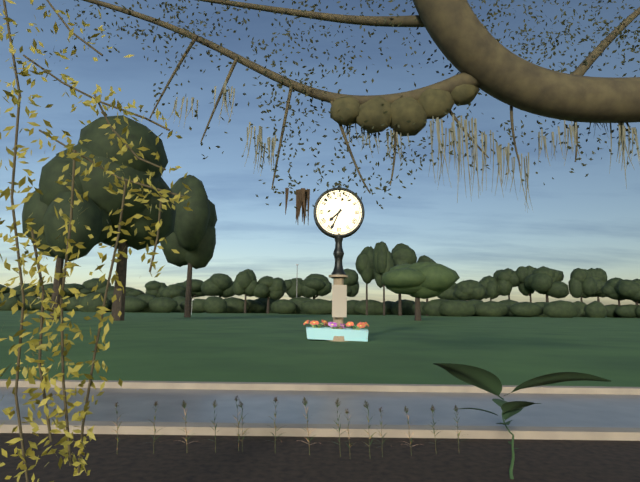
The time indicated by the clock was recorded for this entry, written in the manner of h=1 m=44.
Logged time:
h=7 m=34
